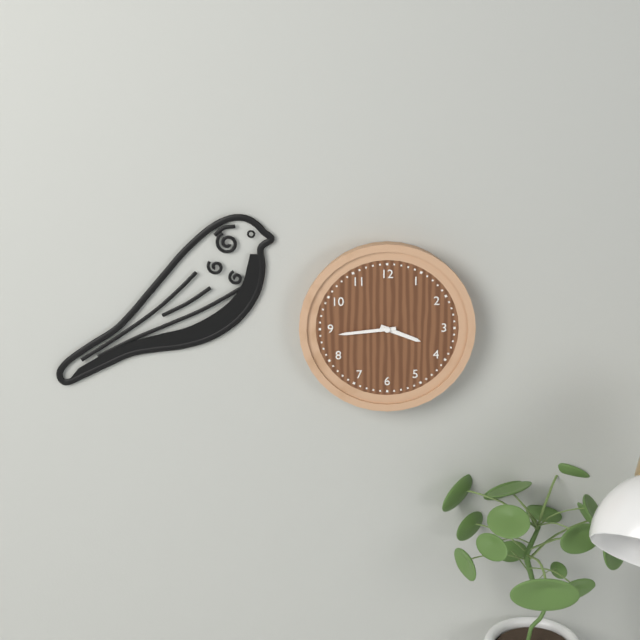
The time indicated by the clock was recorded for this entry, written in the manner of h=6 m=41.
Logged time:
h=3 m=44
